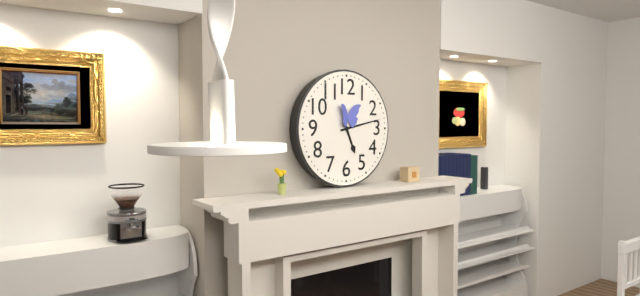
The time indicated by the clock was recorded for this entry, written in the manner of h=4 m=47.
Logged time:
h=5 m=13
